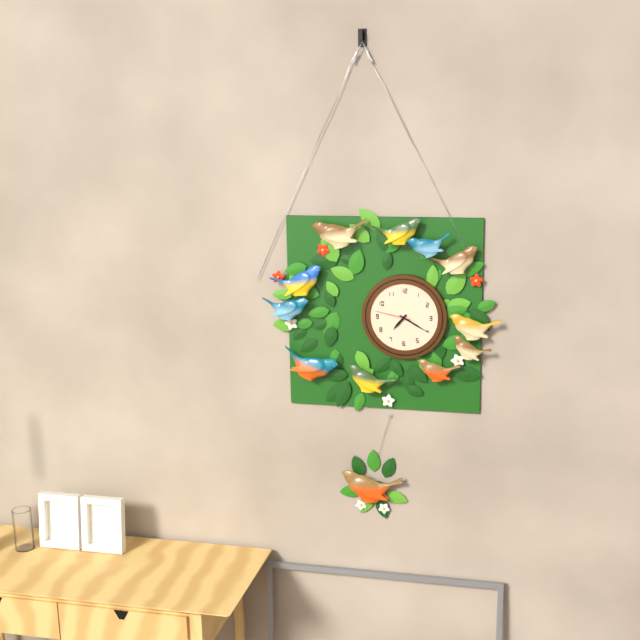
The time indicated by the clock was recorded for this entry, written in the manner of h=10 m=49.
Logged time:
h=7 m=20
